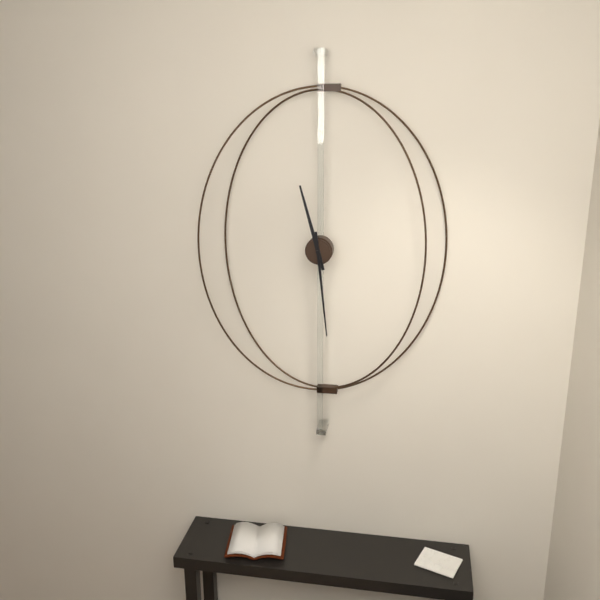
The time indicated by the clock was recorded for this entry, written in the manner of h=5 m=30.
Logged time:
h=11 m=29
